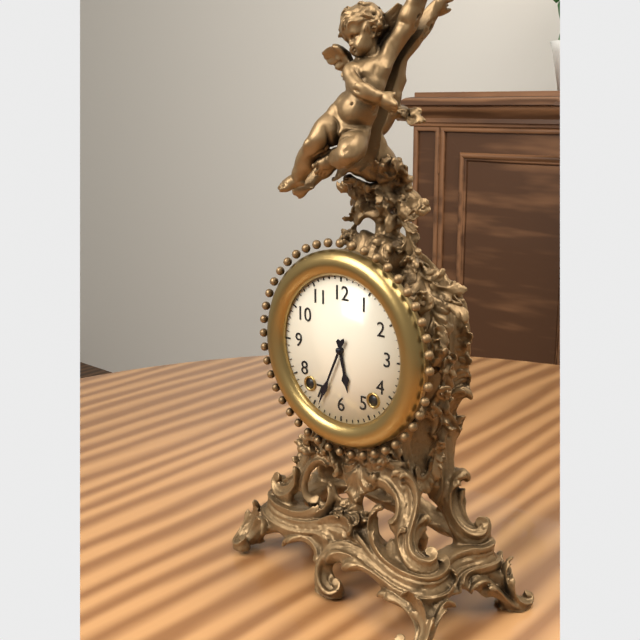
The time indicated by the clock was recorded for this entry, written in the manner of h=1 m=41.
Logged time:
h=5 m=34
